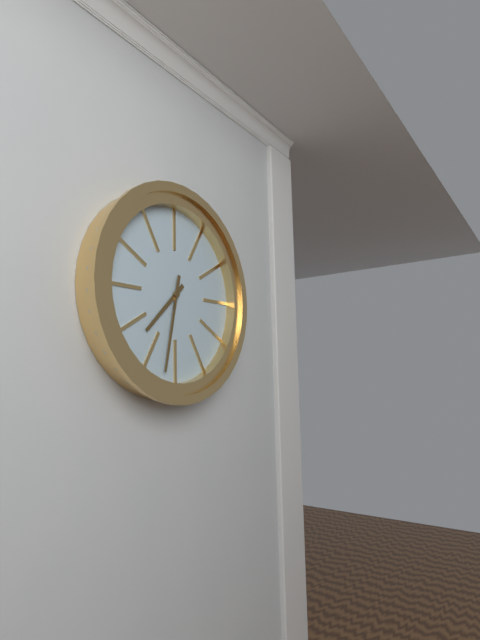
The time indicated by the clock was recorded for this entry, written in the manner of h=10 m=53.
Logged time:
h=7 m=32
